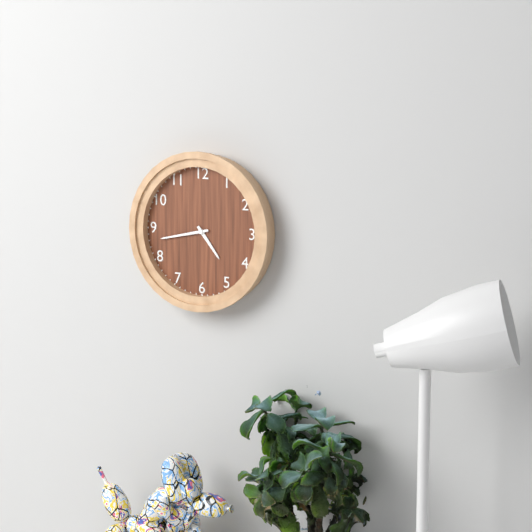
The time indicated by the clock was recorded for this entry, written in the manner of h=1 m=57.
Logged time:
h=4 m=43
